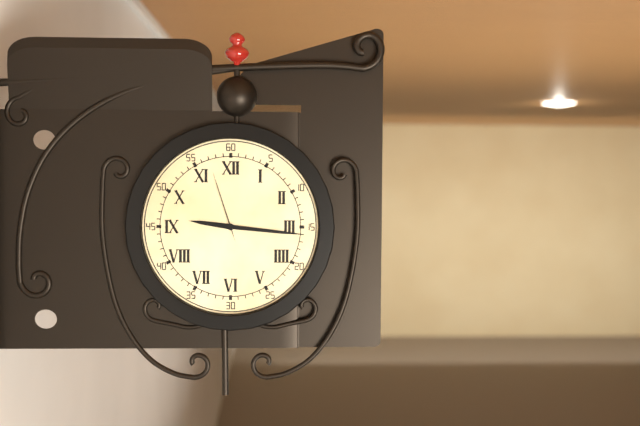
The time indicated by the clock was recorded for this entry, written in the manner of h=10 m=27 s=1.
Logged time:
h=9 m=16 s=57
